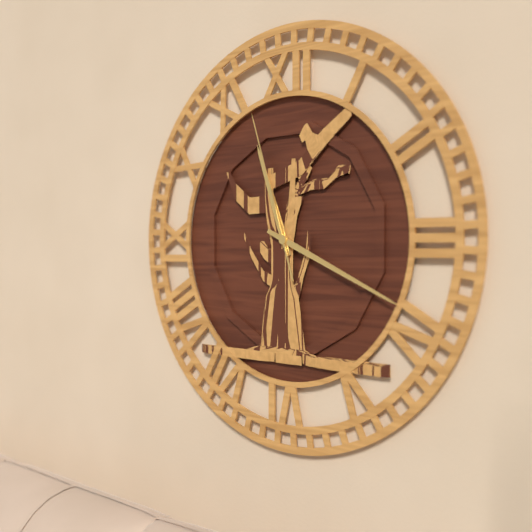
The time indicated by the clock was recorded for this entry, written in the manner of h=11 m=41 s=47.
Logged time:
h=11 m=19 s=57
